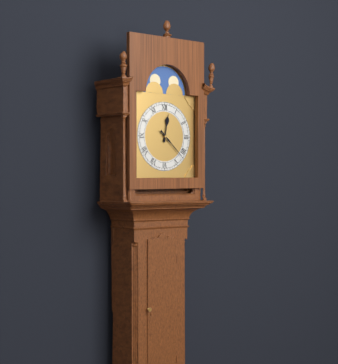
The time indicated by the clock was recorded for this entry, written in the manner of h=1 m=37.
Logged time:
h=12 m=22
